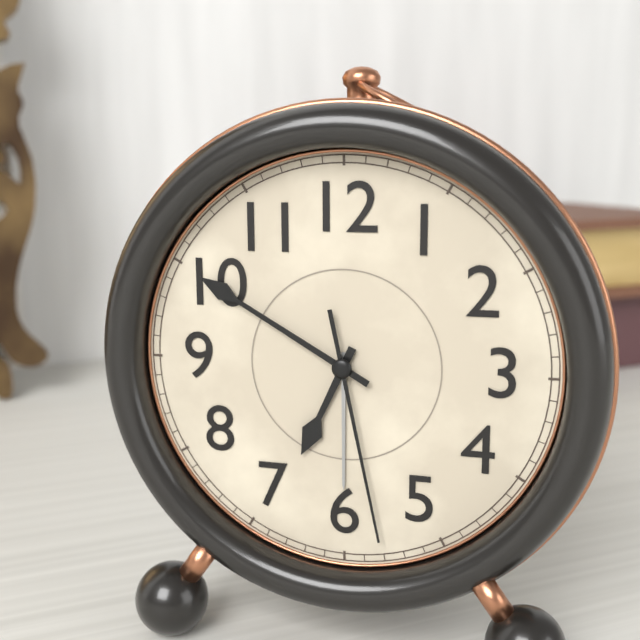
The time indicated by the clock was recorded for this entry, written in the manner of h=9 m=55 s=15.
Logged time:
h=6 m=50 s=28
